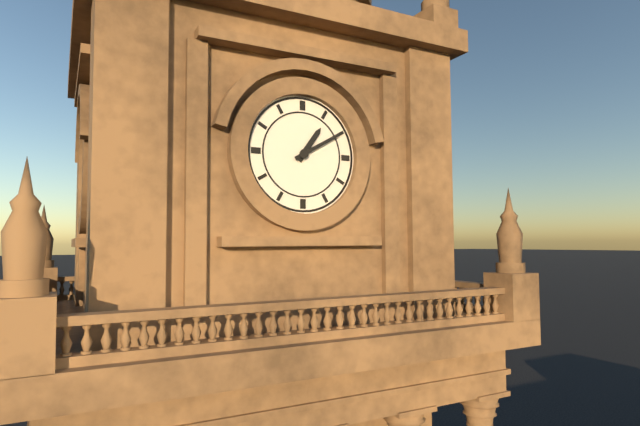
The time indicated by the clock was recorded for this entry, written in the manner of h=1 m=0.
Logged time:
h=1 m=10
